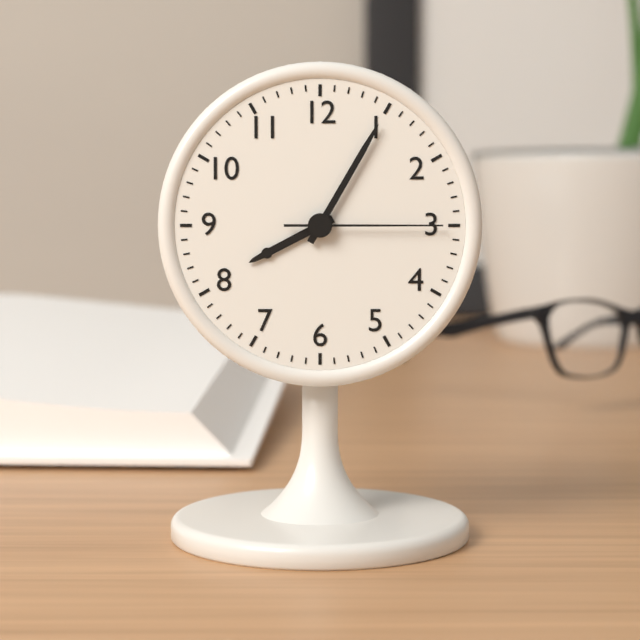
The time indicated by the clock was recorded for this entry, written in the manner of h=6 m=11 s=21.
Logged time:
h=8 m=5 s=15
